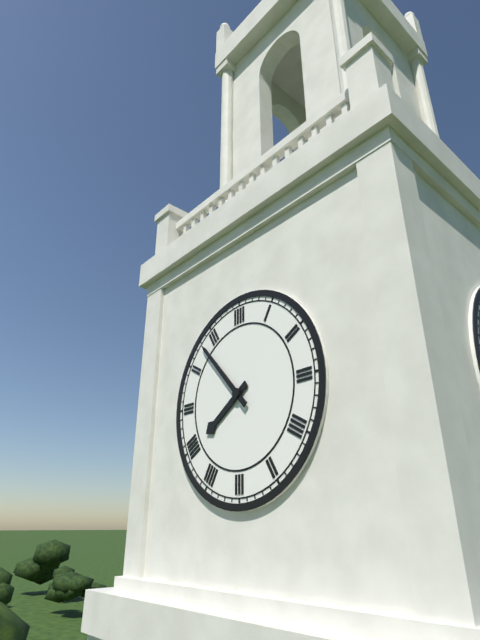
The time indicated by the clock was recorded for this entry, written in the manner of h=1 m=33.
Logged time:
h=7 m=53
